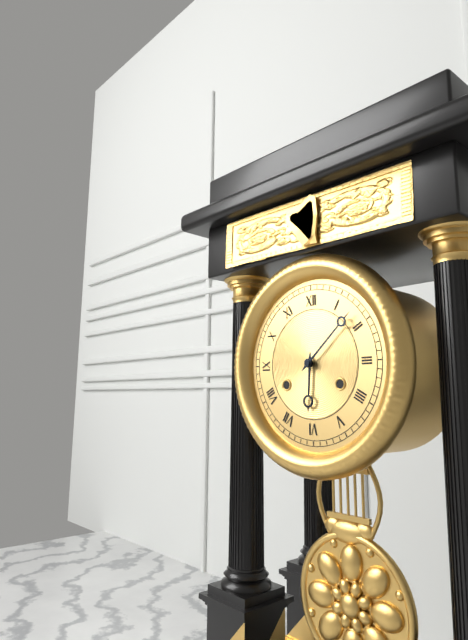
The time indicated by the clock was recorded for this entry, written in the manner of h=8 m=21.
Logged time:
h=6 m=8
